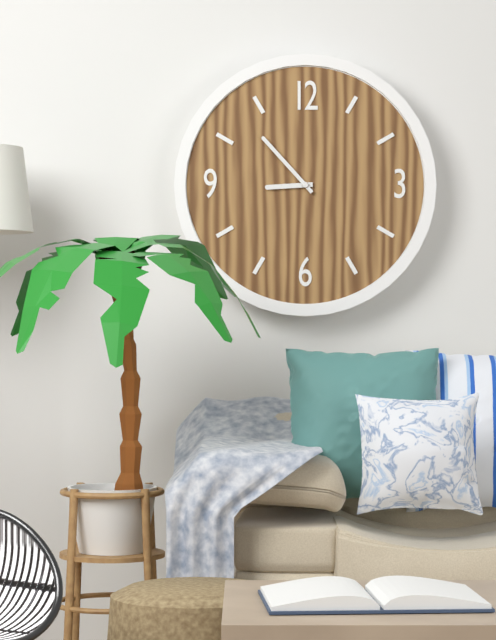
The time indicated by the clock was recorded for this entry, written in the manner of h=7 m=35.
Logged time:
h=8 m=53
